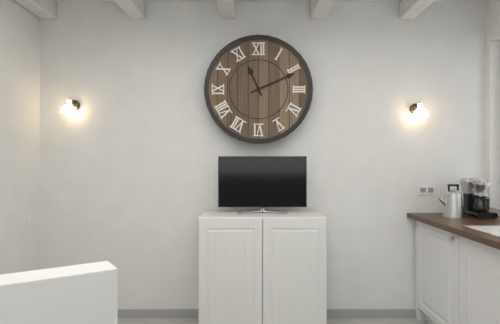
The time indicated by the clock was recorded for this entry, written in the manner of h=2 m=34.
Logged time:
h=11 m=11
